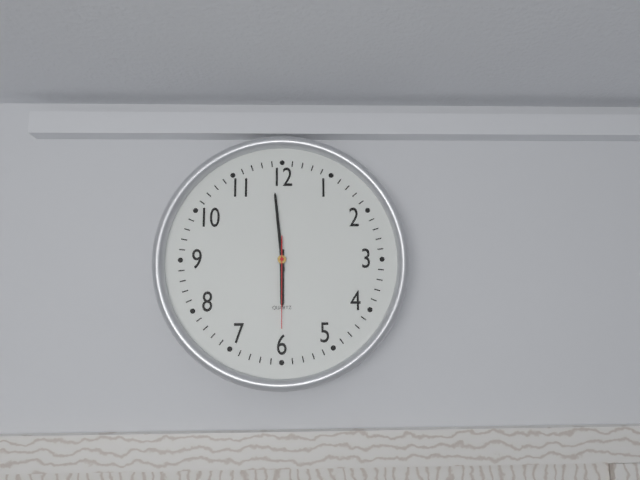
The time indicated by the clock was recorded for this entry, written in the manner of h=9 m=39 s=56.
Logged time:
h=5 m=59 s=30
